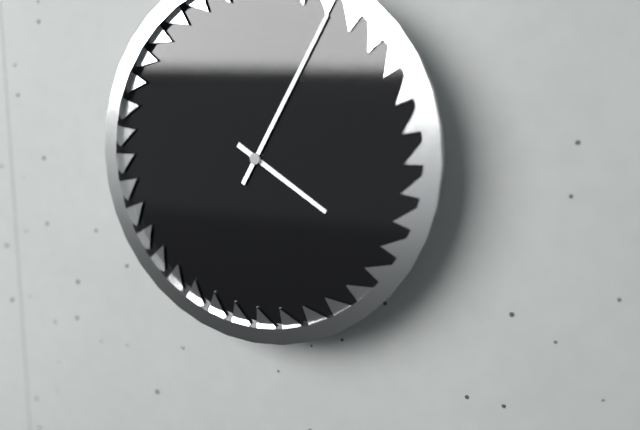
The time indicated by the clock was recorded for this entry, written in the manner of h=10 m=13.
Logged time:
h=4 m=5
